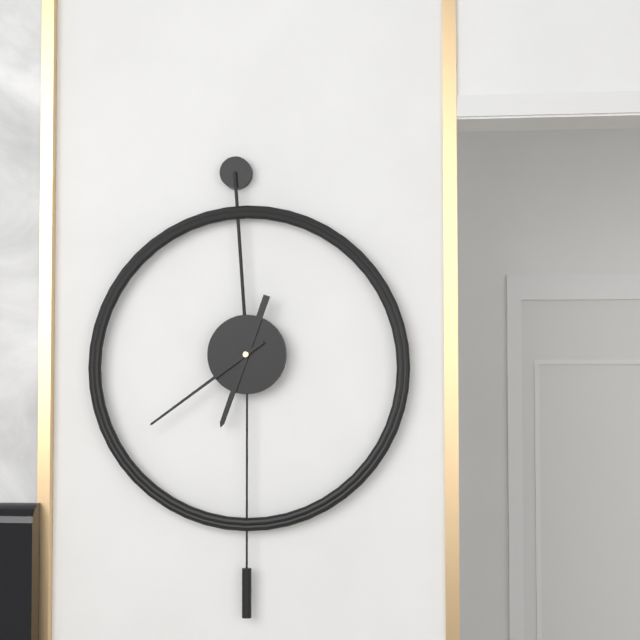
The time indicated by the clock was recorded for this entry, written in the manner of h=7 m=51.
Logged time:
h=6 m=39
